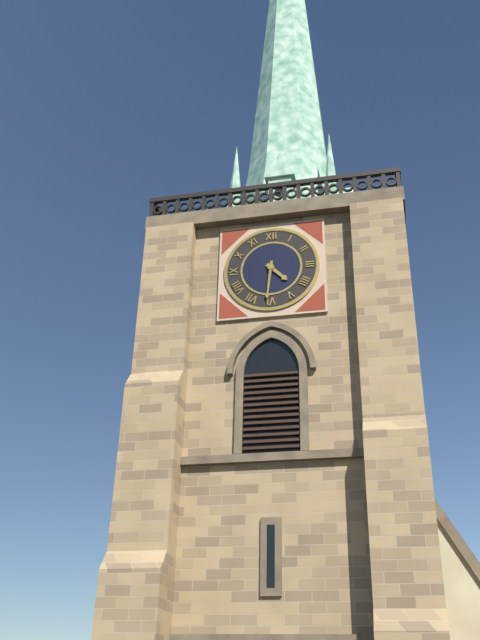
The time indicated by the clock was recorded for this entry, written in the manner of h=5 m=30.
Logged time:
h=4 m=31
